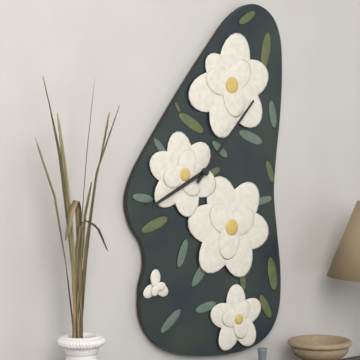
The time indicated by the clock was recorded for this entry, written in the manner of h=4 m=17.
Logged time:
h=8 m=7
